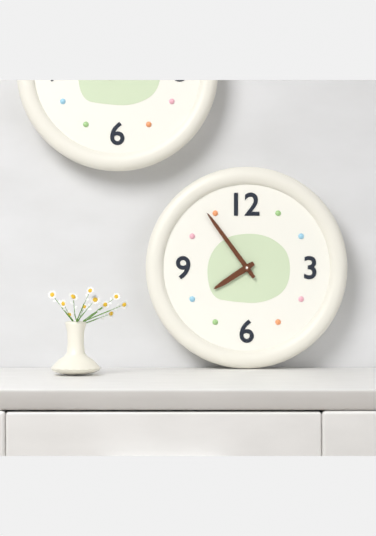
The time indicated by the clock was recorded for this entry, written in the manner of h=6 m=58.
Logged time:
h=7 m=54
